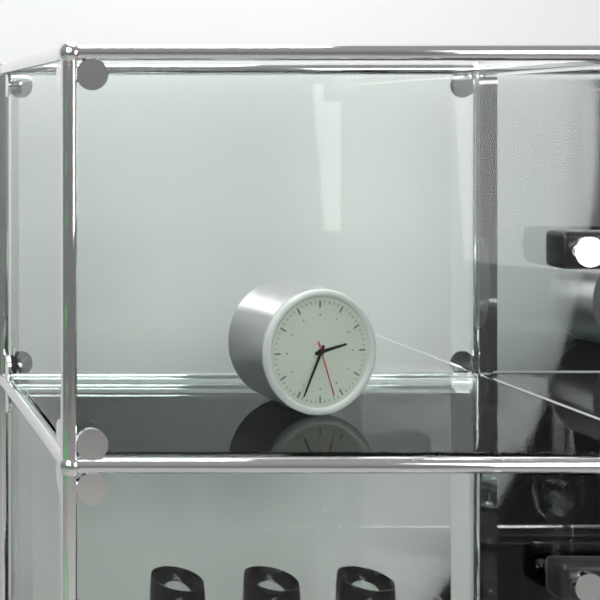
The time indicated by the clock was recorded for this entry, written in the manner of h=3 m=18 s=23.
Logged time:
h=2 m=34 s=27
